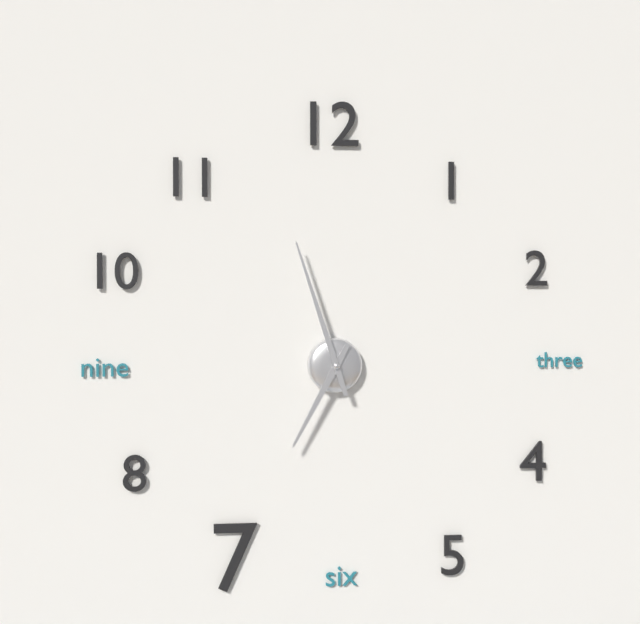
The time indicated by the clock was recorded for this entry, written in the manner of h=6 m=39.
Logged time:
h=6 m=57
